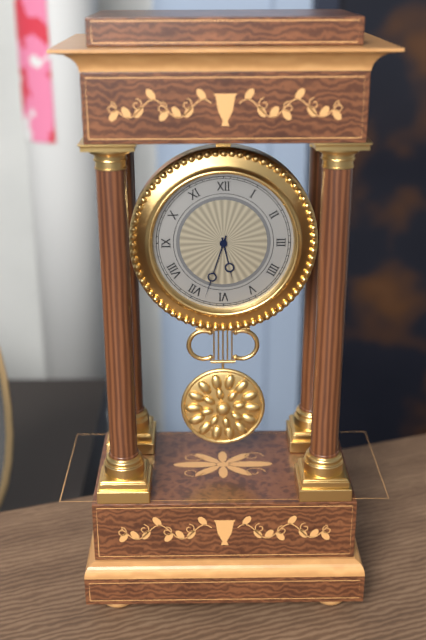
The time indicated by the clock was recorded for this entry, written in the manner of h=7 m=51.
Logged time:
h=5 m=33
